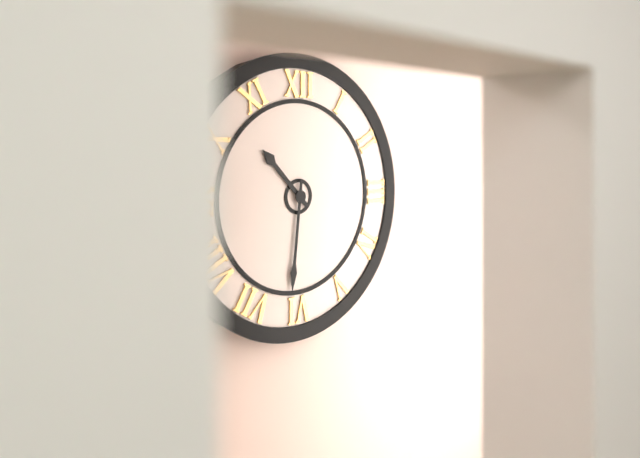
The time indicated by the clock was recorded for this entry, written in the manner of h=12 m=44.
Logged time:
h=10 m=31
